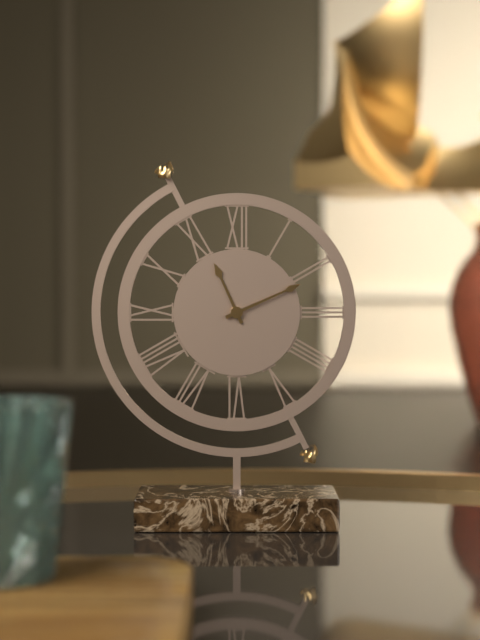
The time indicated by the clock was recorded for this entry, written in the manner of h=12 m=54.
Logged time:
h=11 m=11
